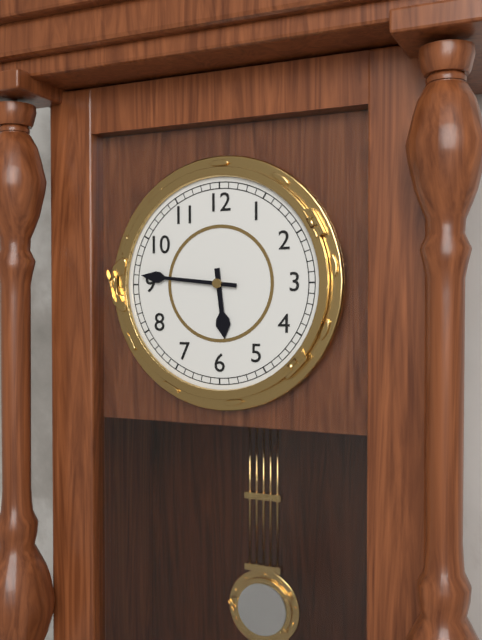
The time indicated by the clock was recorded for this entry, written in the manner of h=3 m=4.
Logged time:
h=5 m=46
